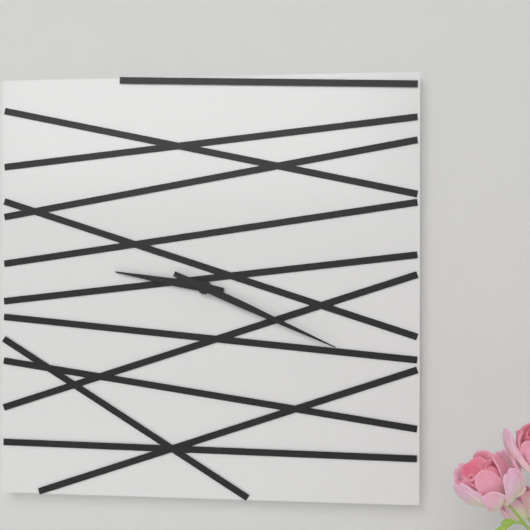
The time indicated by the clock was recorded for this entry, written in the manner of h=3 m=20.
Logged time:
h=9 m=19
